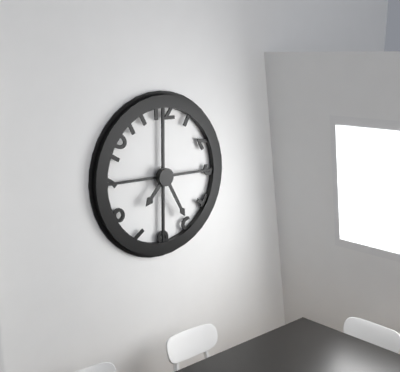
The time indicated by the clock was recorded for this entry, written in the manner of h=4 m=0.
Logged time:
h=7 m=25
